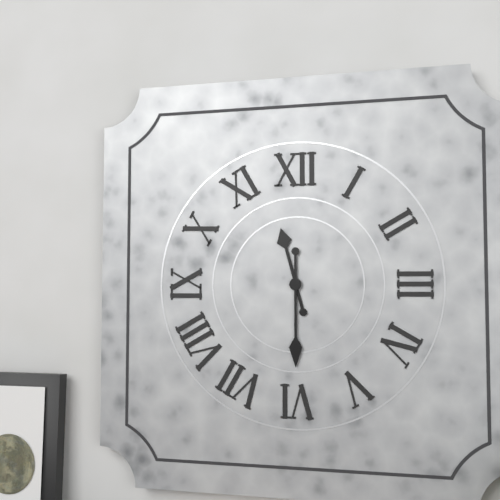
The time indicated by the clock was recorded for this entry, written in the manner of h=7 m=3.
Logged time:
h=11 m=30
